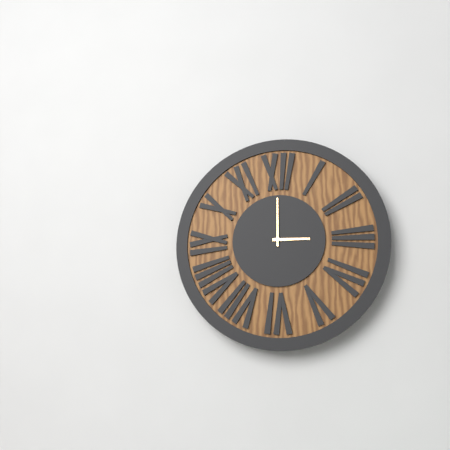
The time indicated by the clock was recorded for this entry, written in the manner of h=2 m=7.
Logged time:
h=3 m=0
